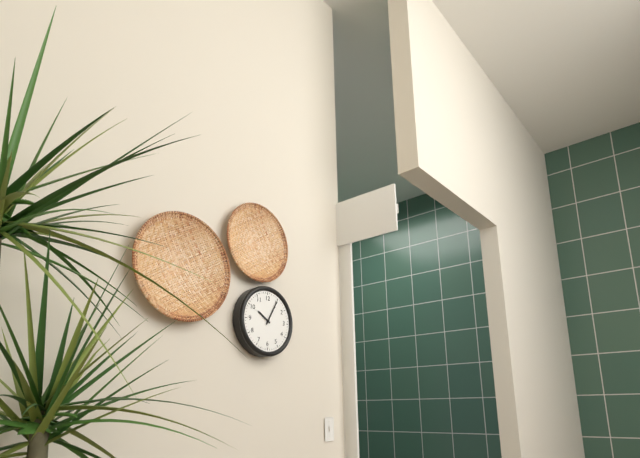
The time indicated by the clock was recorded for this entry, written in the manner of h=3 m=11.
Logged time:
h=10 m=5
